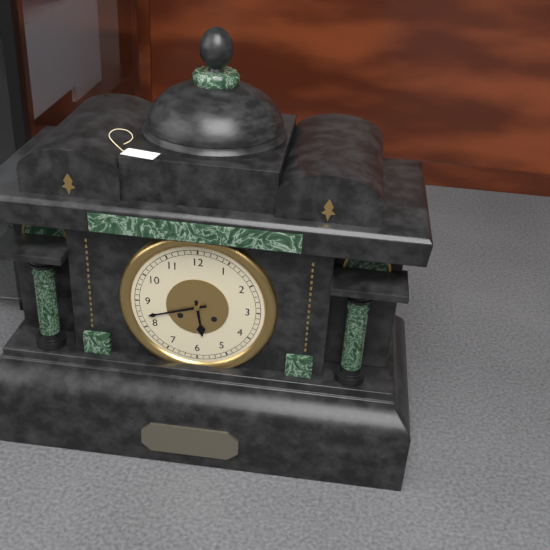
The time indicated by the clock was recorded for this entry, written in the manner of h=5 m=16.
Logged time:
h=5 m=42
